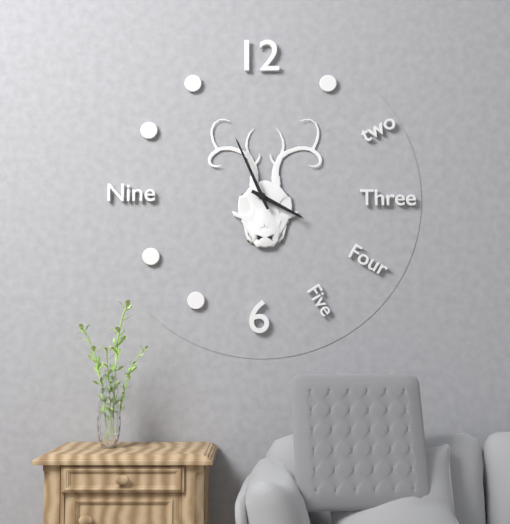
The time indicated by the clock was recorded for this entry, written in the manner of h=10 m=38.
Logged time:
h=3 m=56
